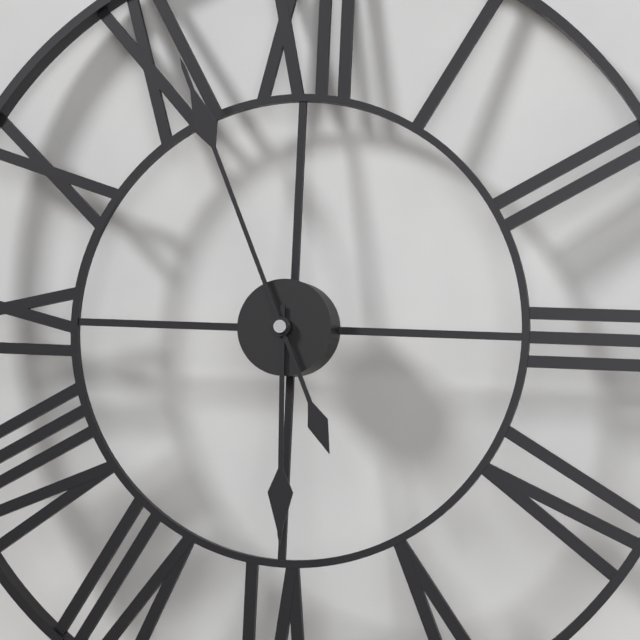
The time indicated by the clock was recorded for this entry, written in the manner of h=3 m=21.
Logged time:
h=5 m=56
